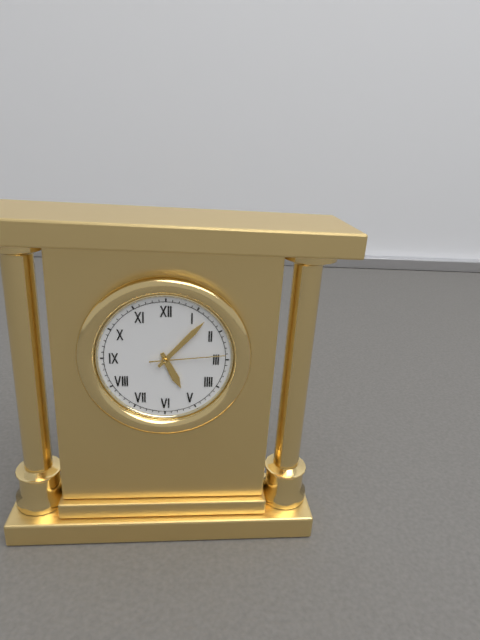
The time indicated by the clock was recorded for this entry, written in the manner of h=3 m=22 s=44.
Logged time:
h=5 m=7 s=14
